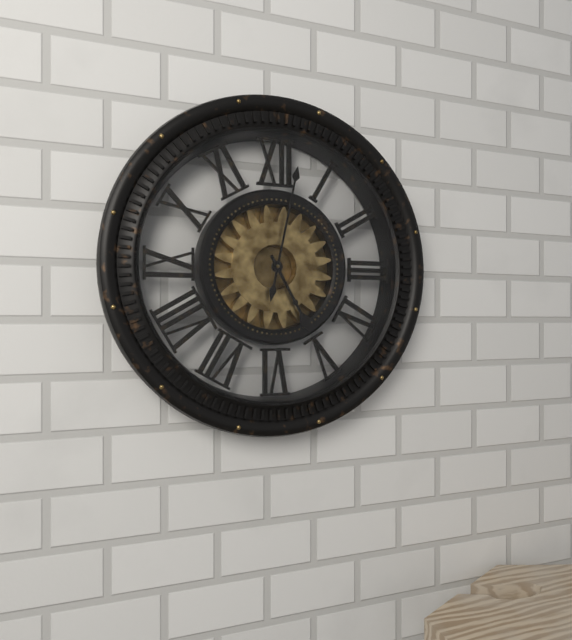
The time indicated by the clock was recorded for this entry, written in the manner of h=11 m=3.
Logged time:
h=5 m=2
